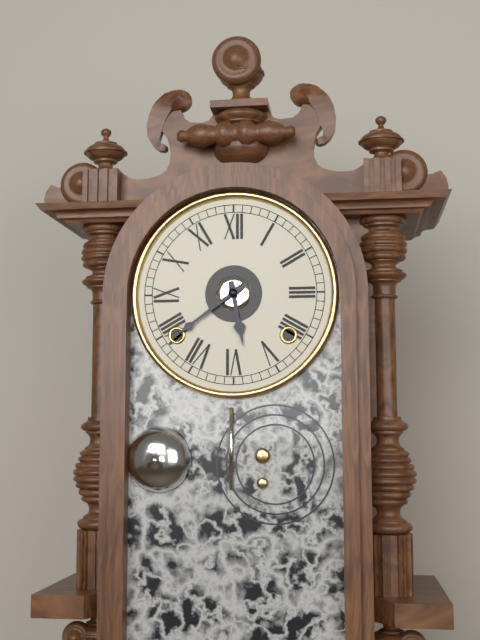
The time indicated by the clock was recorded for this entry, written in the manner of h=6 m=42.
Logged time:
h=5 m=39
